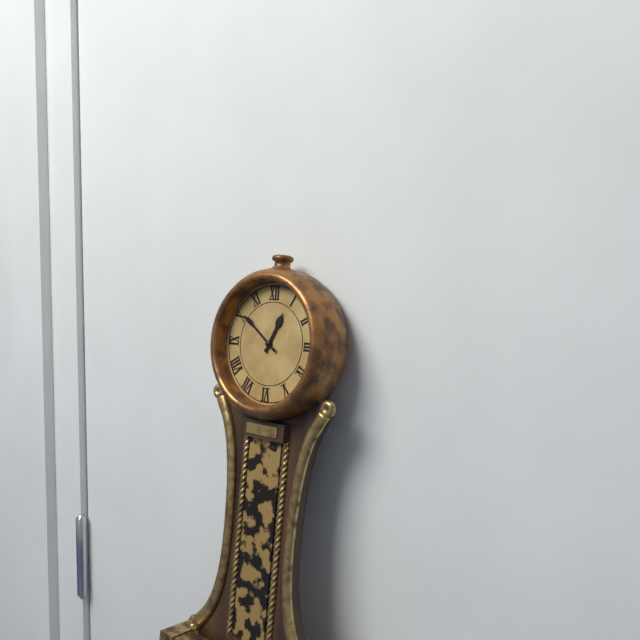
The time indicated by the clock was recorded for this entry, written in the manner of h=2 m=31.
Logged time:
h=12 m=51
